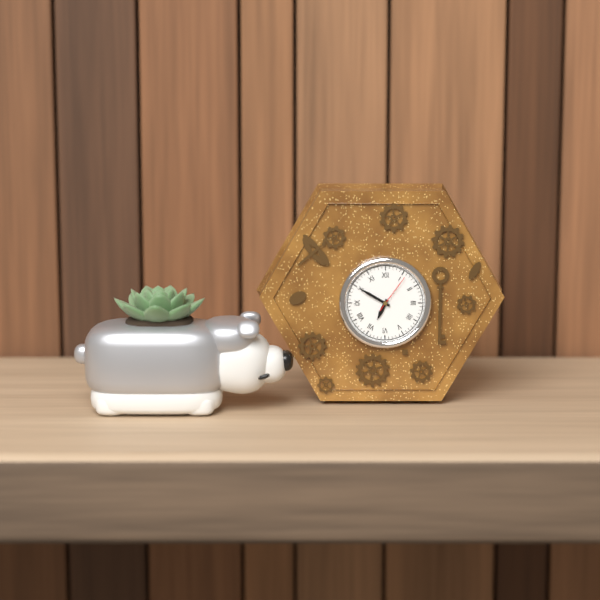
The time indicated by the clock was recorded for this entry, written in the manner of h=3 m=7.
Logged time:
h=6 m=50
